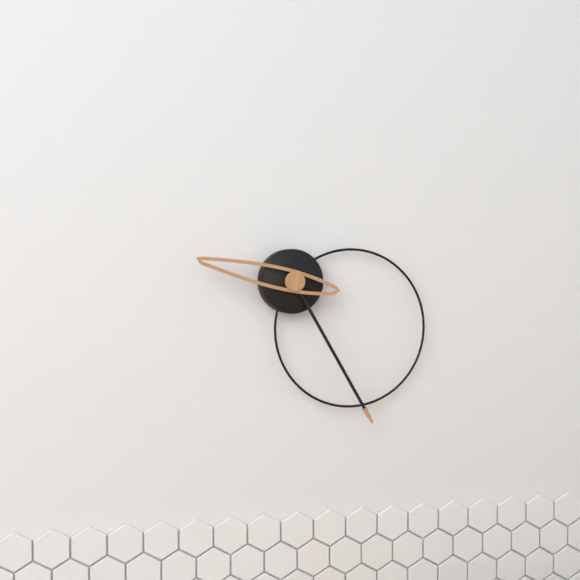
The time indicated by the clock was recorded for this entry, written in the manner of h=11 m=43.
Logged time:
h=9 m=25
